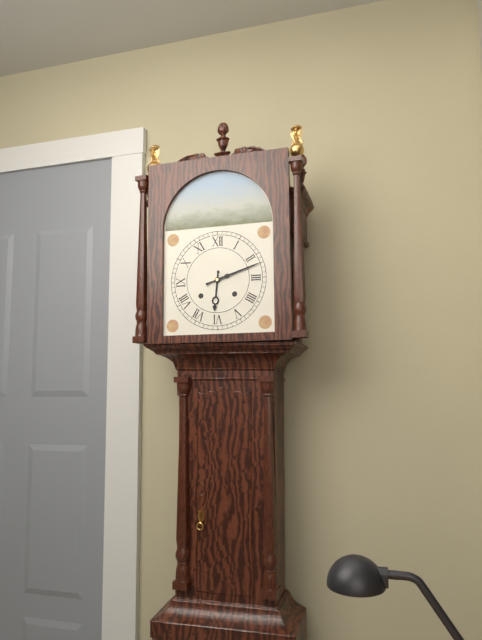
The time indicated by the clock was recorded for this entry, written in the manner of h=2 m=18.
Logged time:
h=6 m=12
